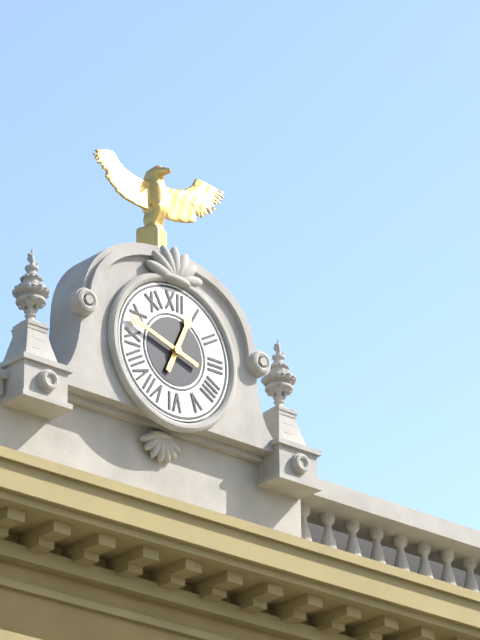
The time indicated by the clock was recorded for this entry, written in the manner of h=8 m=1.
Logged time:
h=12 m=48
